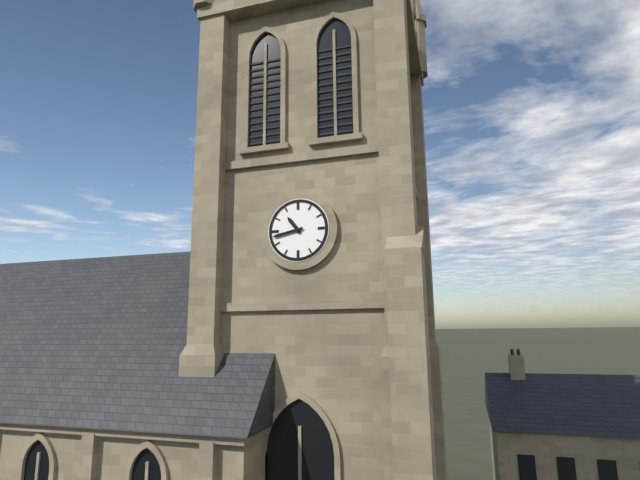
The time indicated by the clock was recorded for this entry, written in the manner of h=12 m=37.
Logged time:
h=10 m=43
